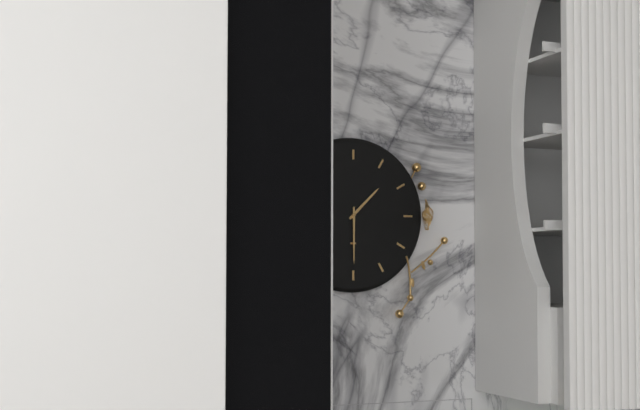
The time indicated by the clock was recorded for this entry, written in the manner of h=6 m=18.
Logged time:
h=1 m=30
